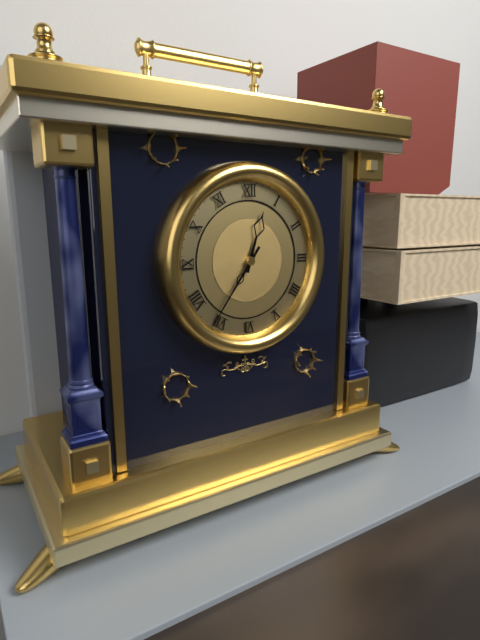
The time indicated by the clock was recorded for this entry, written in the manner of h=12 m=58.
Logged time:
h=12 m=36
